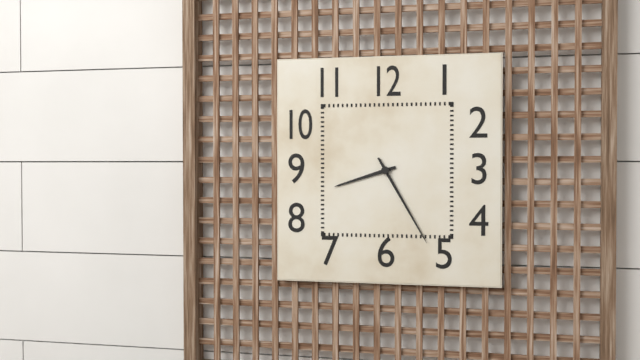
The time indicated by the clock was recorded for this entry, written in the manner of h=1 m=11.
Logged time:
h=8 m=25
